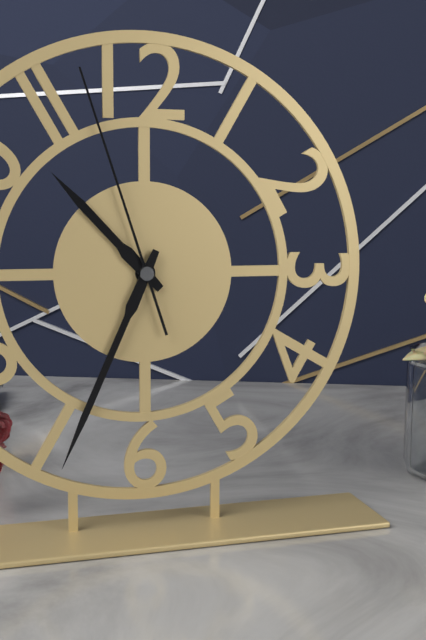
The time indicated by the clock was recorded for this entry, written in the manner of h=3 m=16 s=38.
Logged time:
h=10 m=34 s=57
